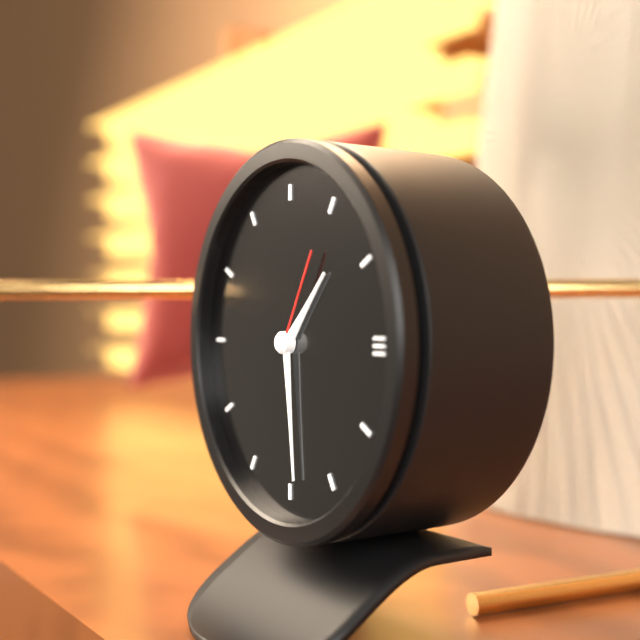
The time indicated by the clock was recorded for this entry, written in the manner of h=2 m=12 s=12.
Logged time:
h=1 m=29 s=5
